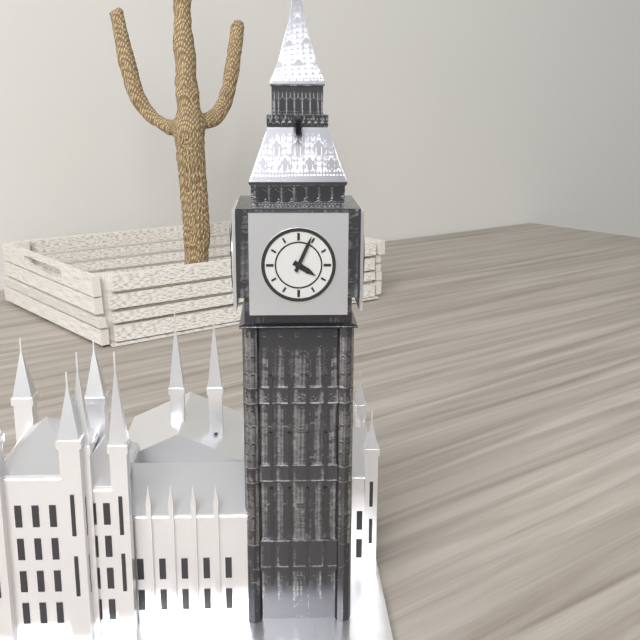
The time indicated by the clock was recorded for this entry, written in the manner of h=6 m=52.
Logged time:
h=4 m=4
